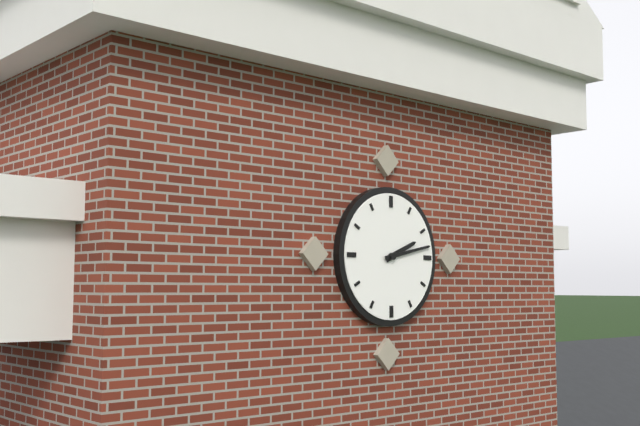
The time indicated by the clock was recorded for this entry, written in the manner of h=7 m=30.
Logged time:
h=2 m=13
